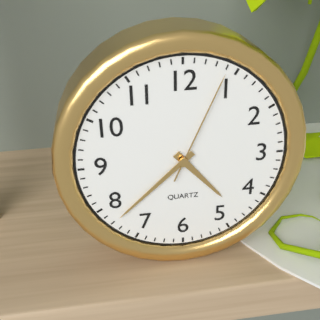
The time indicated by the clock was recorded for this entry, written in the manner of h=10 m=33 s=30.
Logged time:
h=4 m=38 s=4
